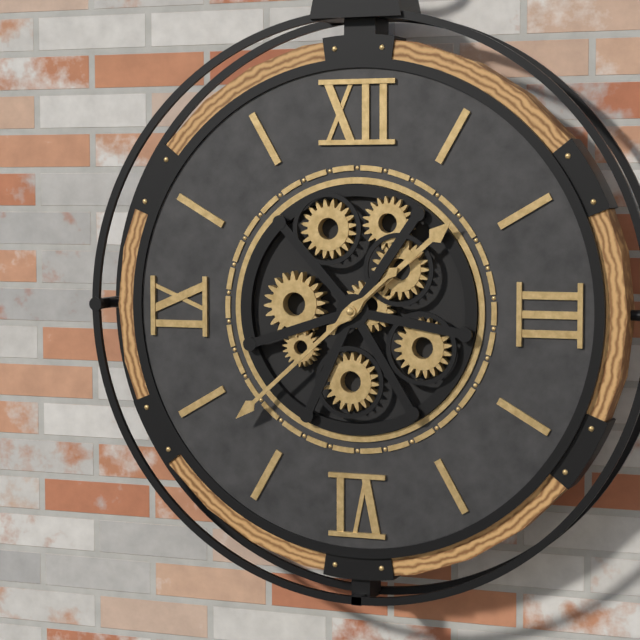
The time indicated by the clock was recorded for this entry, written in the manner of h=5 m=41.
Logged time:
h=1 m=38
